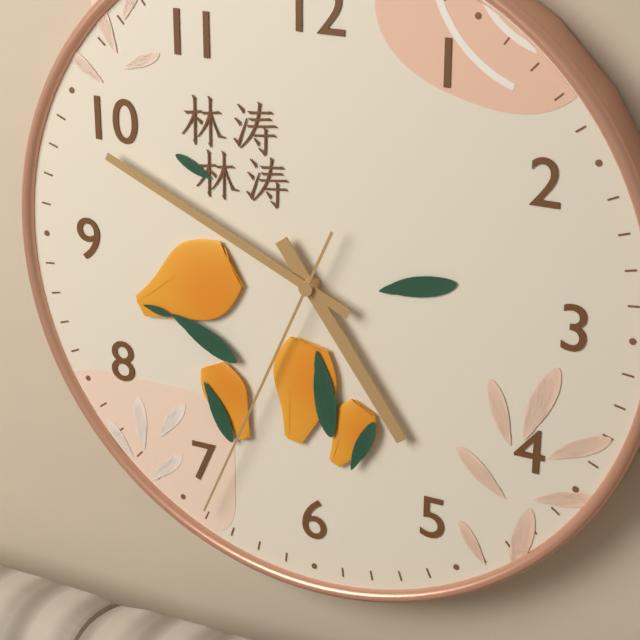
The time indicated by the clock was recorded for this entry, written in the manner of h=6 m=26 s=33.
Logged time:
h=4 m=49 s=34
